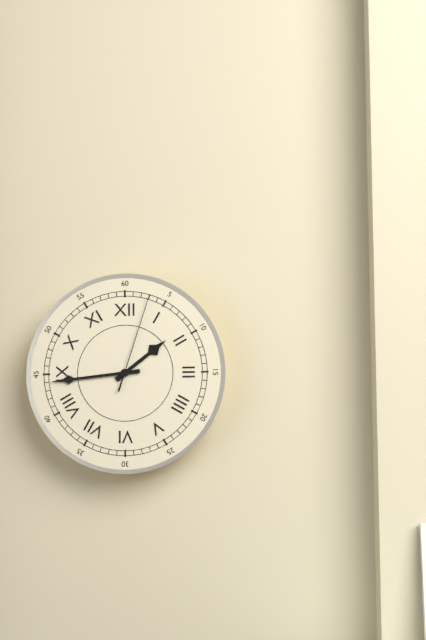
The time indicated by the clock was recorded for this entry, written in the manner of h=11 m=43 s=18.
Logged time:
h=1 m=44 s=3
